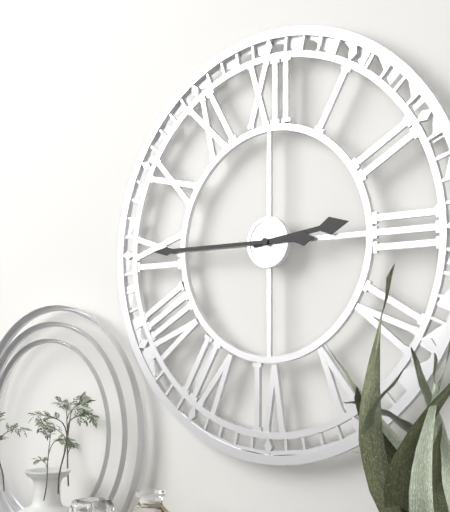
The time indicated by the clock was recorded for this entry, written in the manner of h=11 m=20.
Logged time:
h=2 m=45
